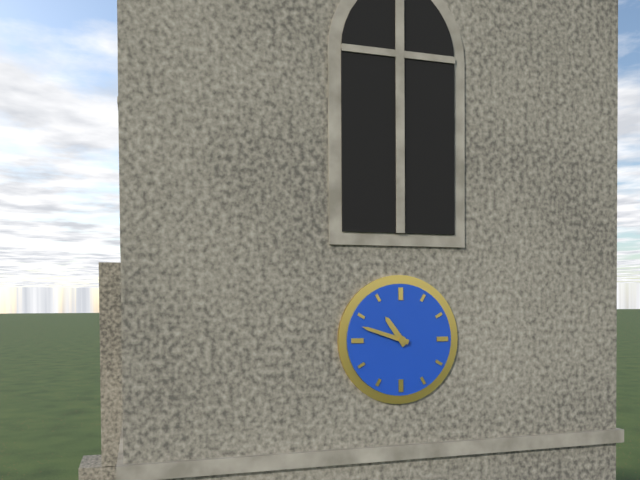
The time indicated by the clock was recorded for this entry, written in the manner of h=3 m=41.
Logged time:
h=10 m=48
